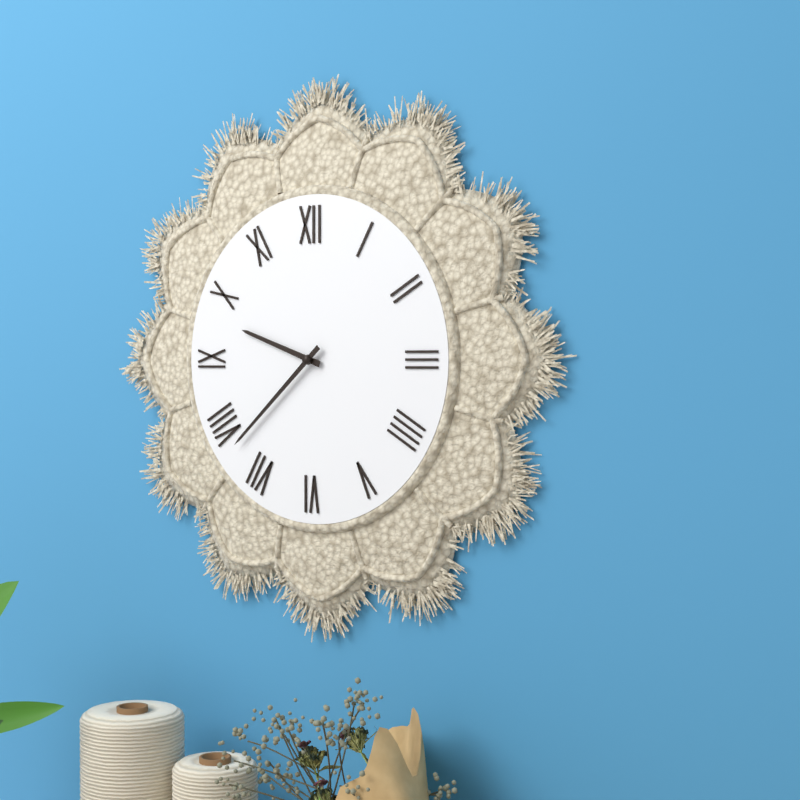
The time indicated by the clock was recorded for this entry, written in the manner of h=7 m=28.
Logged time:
h=9 m=38
